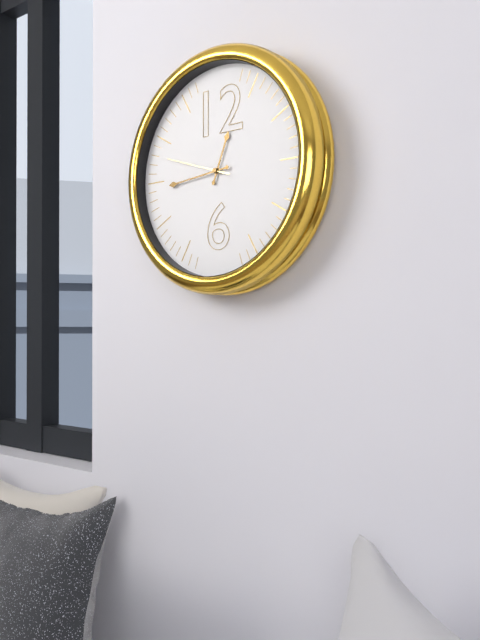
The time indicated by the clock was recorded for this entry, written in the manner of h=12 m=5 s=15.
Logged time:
h=12 m=44 s=48
